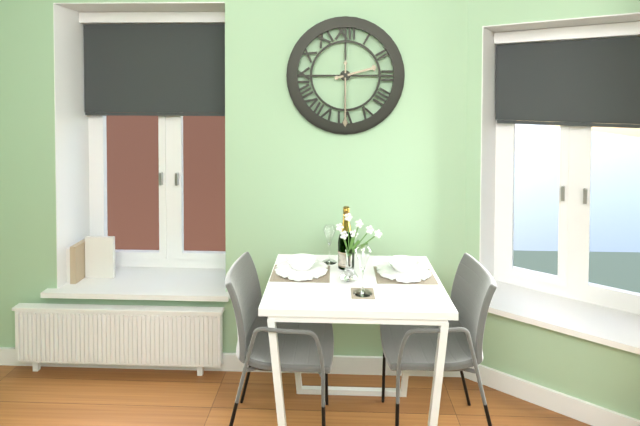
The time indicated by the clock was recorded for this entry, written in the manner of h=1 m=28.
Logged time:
h=2 m=30
